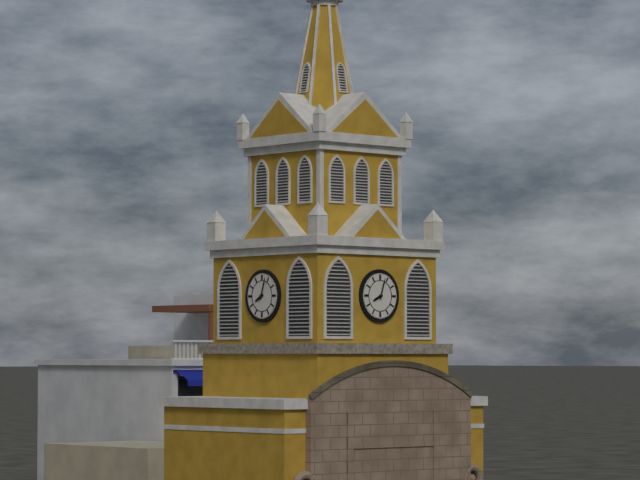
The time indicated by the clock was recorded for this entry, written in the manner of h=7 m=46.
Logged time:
h=8 m=3
